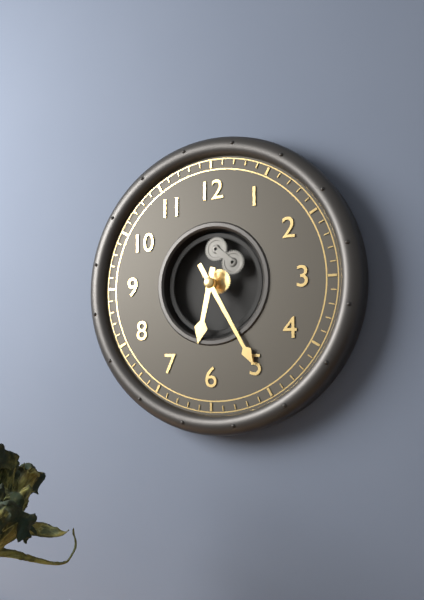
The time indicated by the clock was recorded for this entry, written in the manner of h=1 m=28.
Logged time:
h=6 m=25
